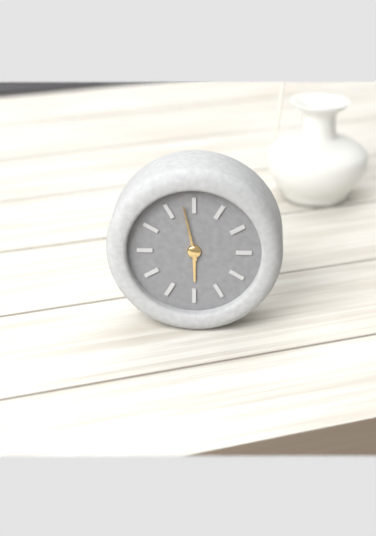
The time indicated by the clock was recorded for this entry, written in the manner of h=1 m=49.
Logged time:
h=5 m=58
